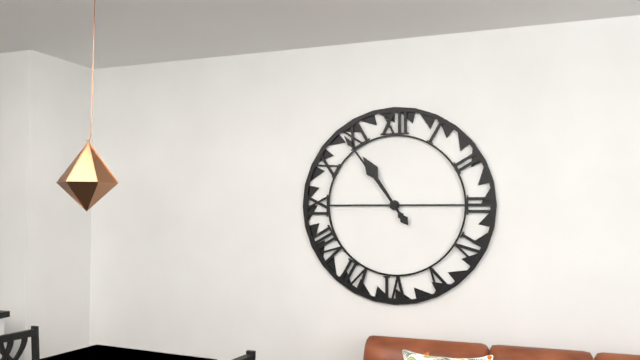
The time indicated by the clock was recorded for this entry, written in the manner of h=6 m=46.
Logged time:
h=10 m=54
